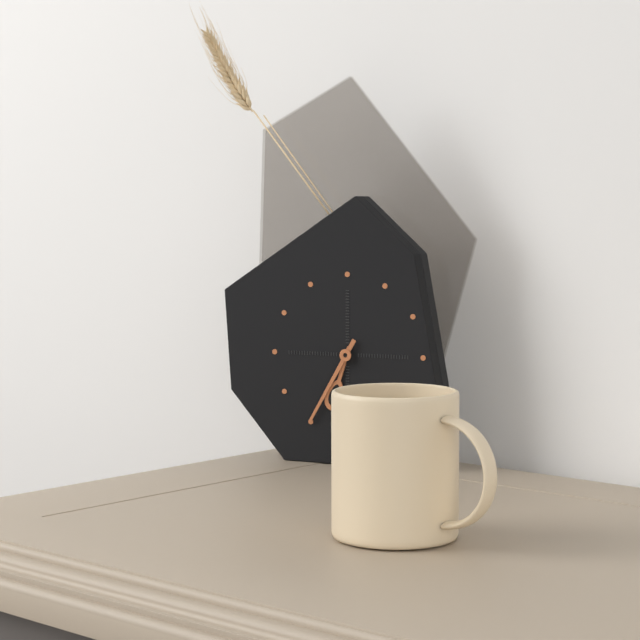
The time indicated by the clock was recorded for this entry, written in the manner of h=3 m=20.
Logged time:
h=6 m=35
